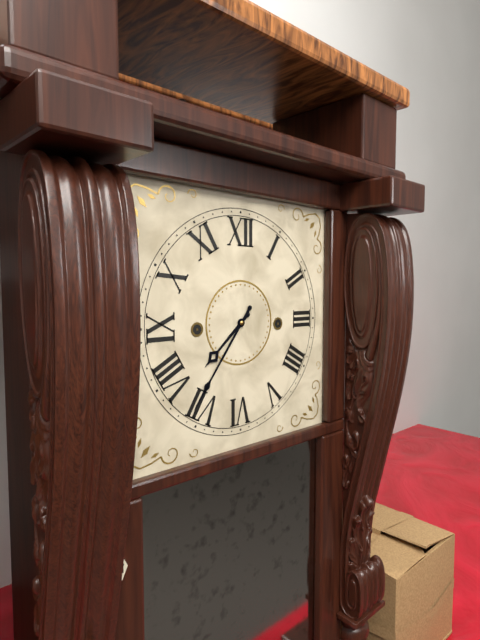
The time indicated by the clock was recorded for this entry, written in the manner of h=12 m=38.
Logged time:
h=7 m=36
